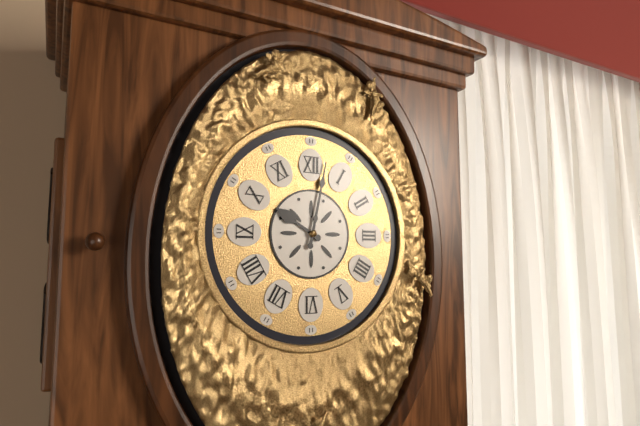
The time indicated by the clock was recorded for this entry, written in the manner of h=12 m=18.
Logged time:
h=10 m=2
